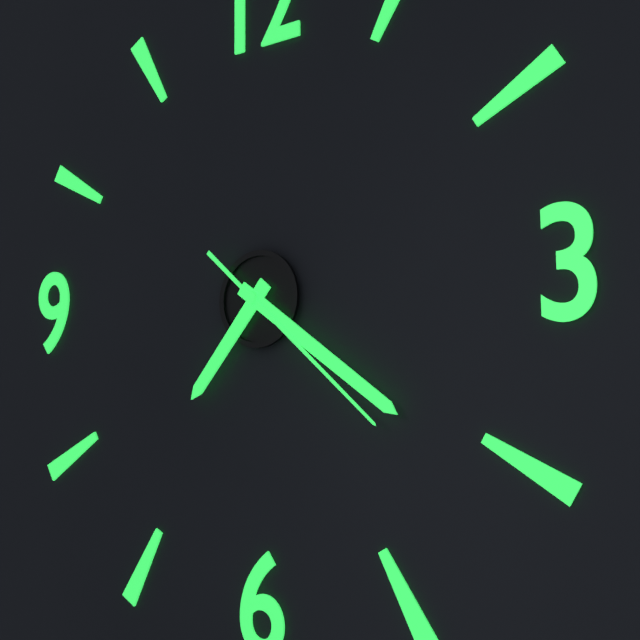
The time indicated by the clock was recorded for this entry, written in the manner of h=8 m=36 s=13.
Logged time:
h=7 m=21 s=22
